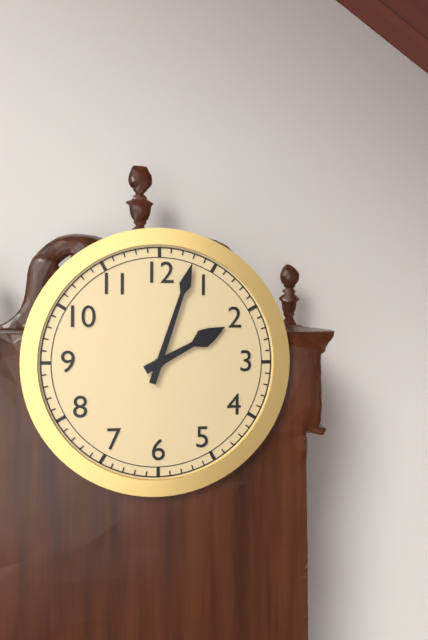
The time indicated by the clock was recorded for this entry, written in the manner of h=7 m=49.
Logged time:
h=2 m=3
